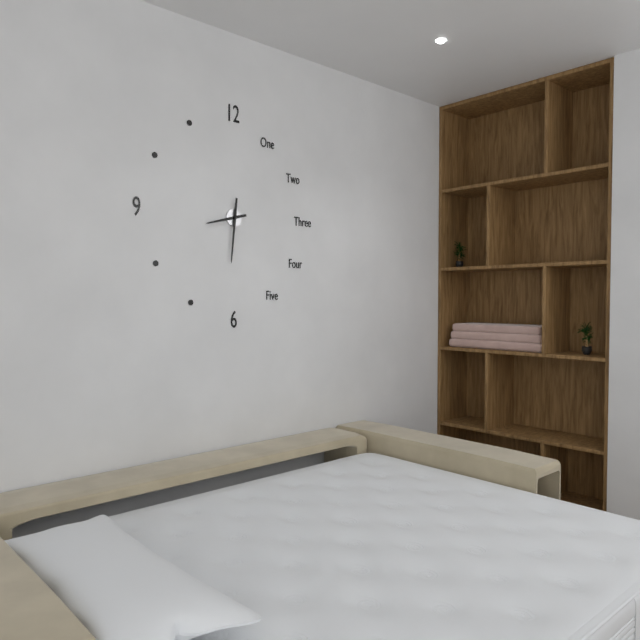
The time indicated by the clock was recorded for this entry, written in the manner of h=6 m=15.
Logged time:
h=8 m=31
